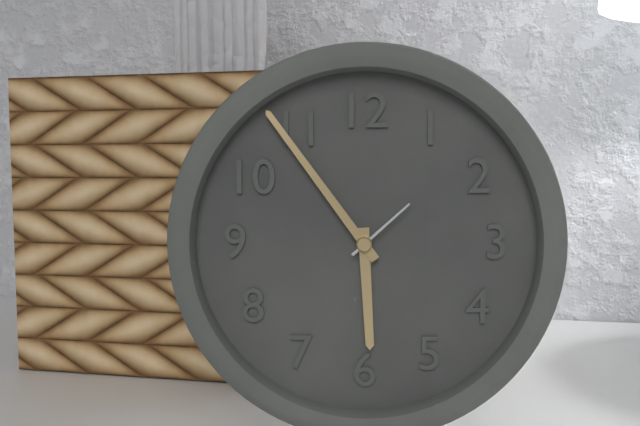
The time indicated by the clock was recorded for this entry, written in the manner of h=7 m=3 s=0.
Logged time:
h=5 m=54 s=8
